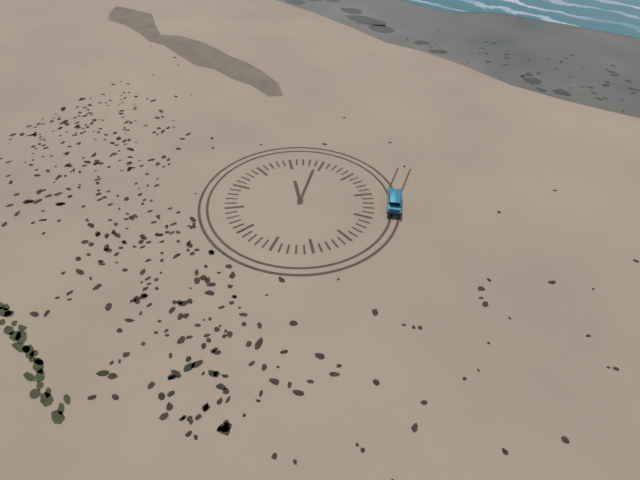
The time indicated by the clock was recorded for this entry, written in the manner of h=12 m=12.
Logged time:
h=10 m=59
